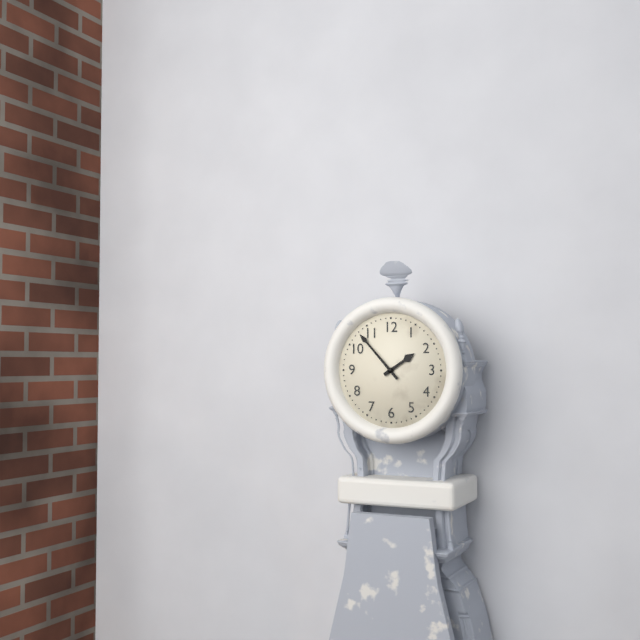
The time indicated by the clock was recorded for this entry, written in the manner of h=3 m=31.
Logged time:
h=1 m=53
